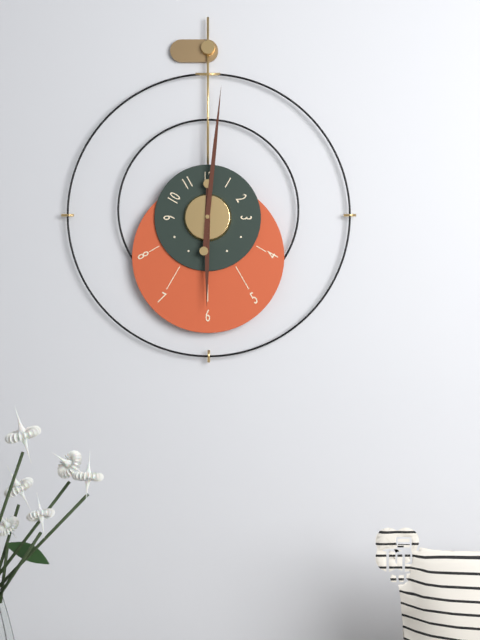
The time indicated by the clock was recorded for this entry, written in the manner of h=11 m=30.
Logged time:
h=6 m=1
